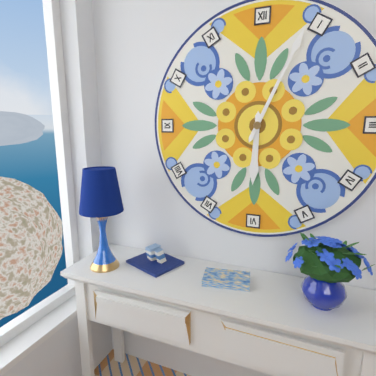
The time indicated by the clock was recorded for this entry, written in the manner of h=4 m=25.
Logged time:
h=6 m=4
